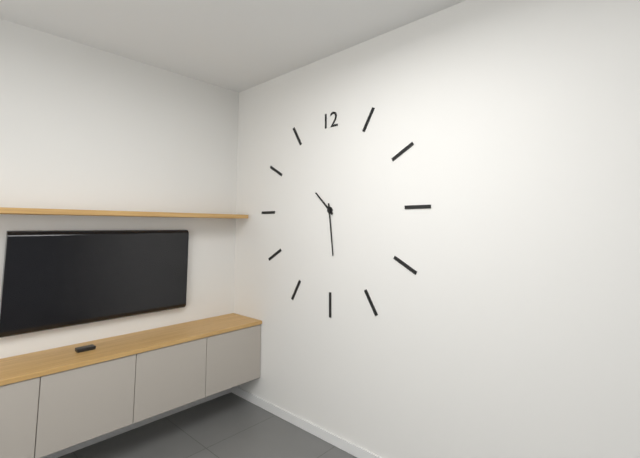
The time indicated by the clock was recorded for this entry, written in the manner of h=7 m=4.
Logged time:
h=10 m=29
